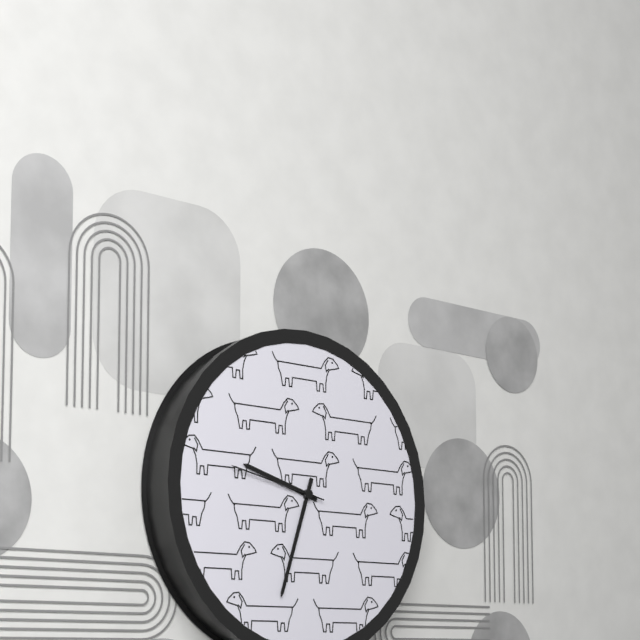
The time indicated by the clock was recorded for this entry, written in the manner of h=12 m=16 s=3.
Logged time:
h=9 m=33 s=47
